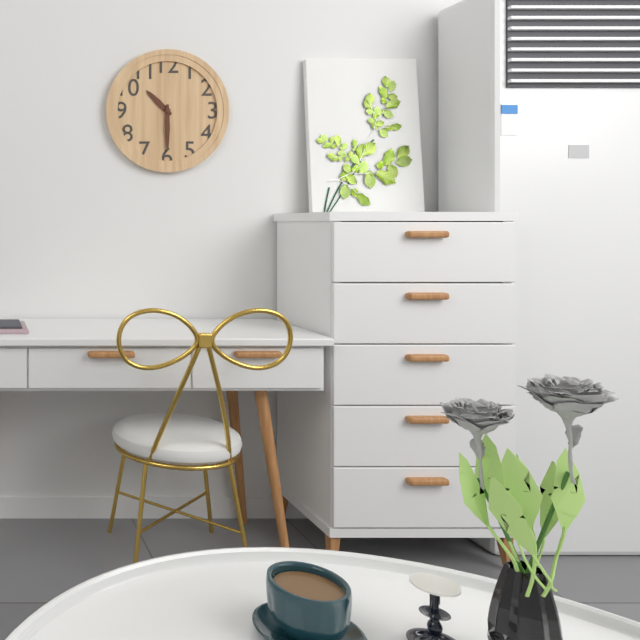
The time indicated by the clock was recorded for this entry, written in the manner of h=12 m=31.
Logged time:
h=10 m=30
